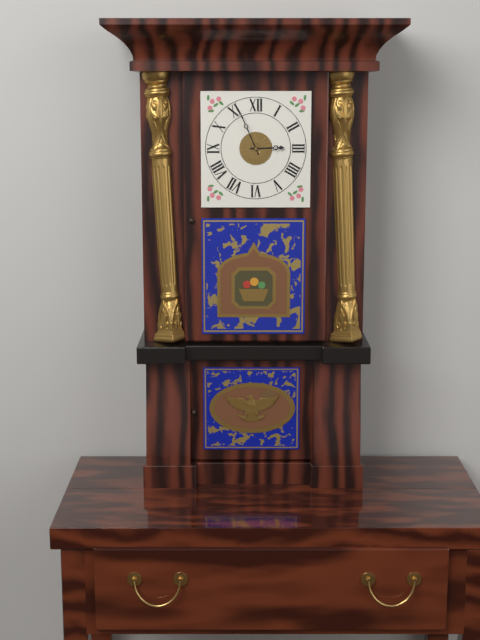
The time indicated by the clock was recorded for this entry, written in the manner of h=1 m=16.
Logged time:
h=2 m=56
